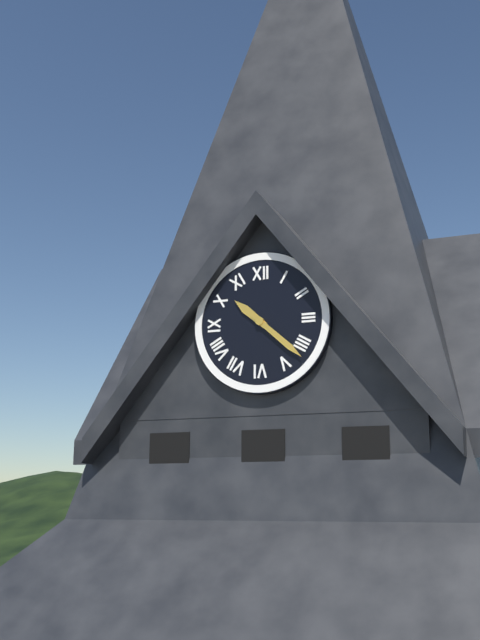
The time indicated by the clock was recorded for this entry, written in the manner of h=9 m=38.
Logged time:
h=10 m=22
